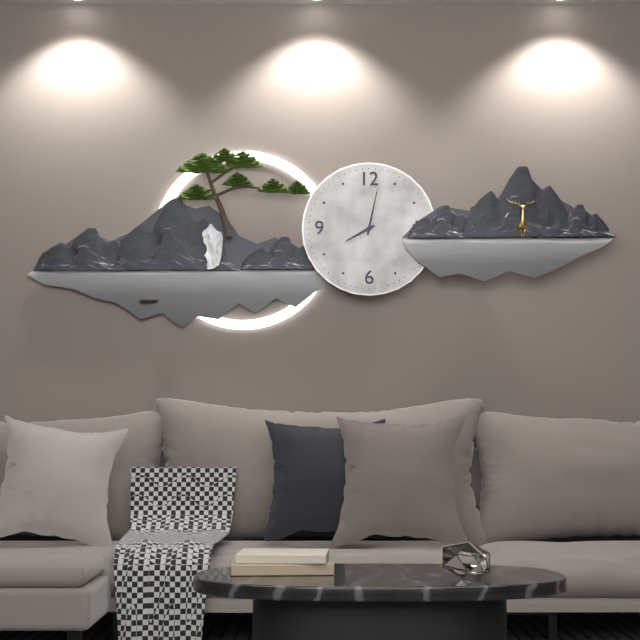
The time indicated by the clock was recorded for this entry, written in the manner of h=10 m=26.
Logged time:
h=8 m=2
